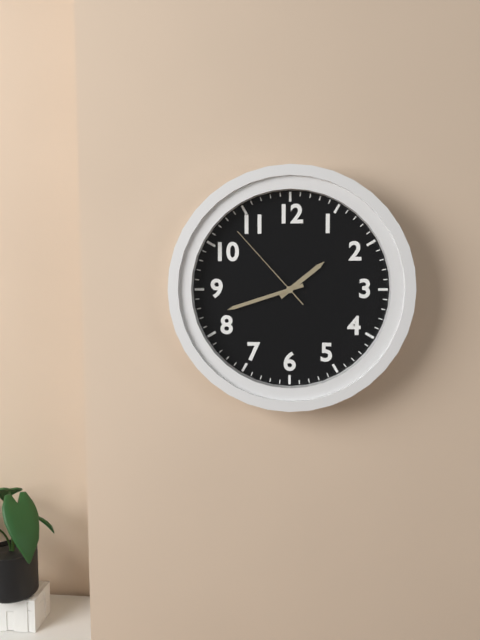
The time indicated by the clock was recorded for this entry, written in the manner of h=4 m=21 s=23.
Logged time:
h=1 m=42 s=53
